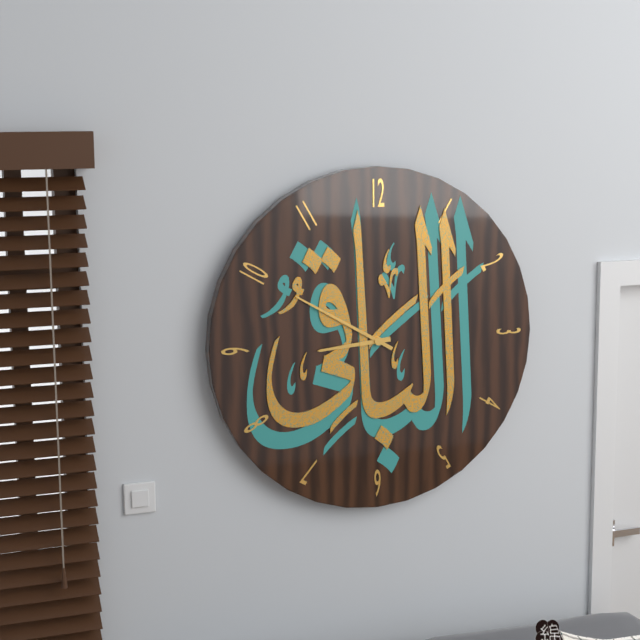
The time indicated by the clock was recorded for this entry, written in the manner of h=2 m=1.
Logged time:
h=8 m=50
